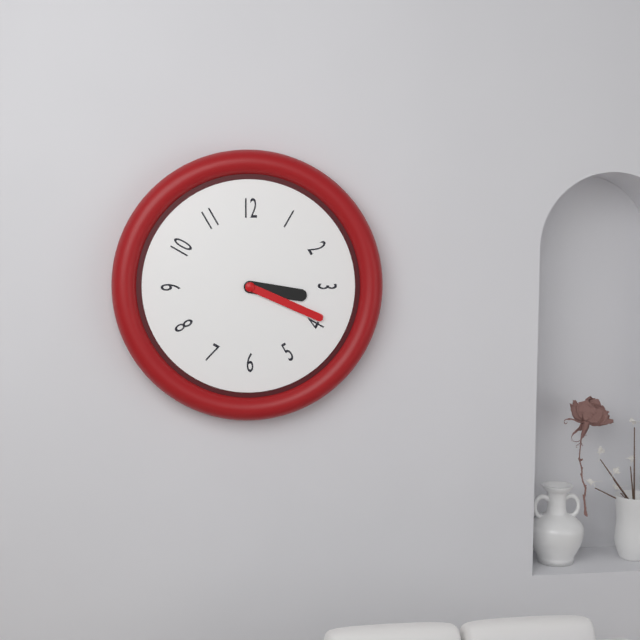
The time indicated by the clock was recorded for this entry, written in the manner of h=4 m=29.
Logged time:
h=3 m=19
